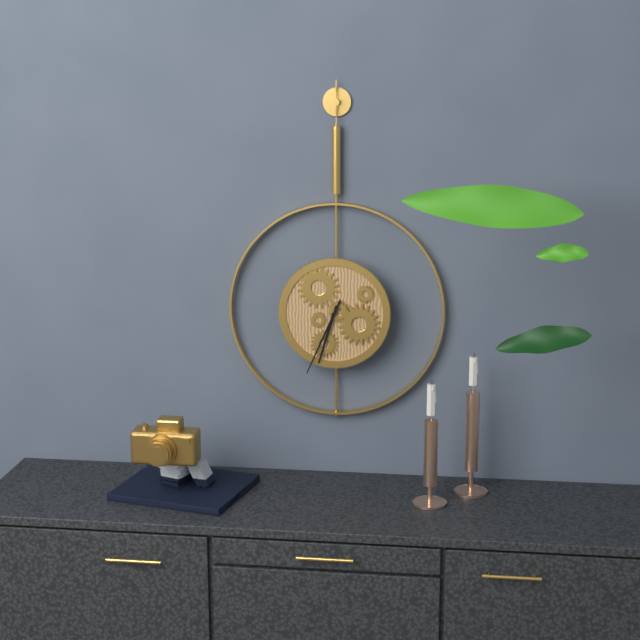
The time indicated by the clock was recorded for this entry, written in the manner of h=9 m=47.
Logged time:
h=6 m=34
